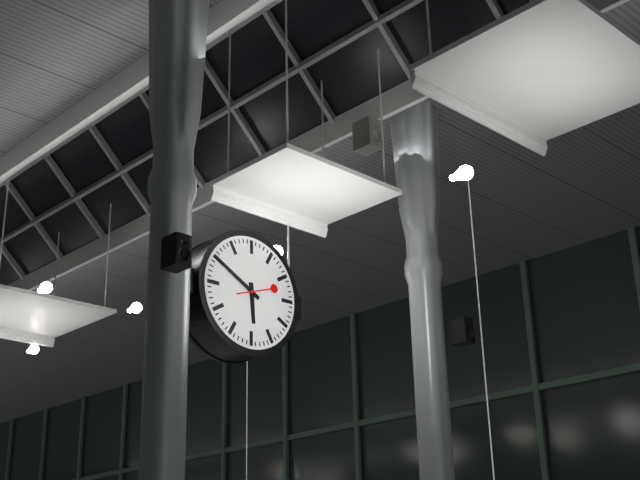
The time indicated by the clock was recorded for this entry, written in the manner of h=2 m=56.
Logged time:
h=5 m=50
